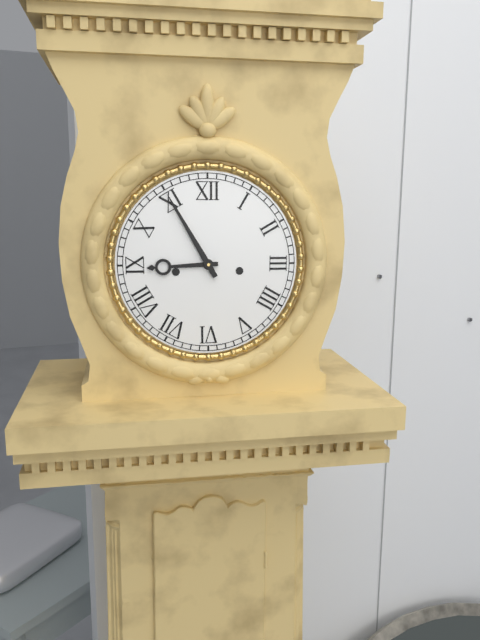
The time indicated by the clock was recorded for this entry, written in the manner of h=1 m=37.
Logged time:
h=8 m=55
